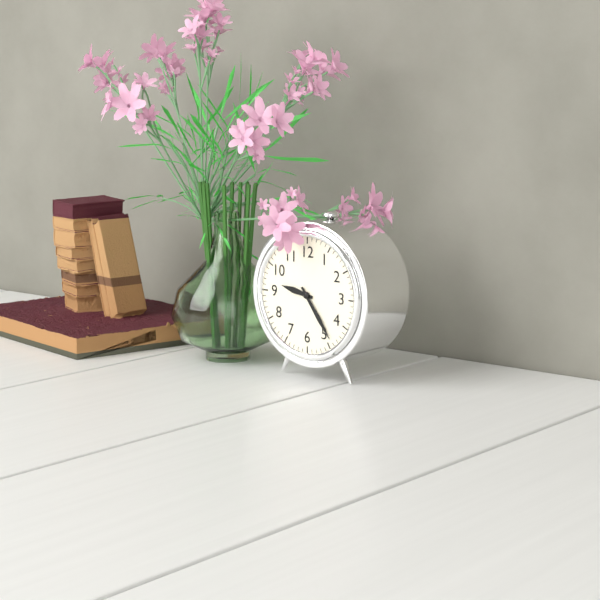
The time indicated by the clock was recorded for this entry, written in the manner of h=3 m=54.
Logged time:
h=9 m=24
